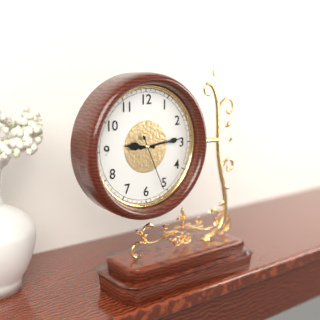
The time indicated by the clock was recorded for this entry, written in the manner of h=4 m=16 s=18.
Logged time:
h=9 m=14 s=26
